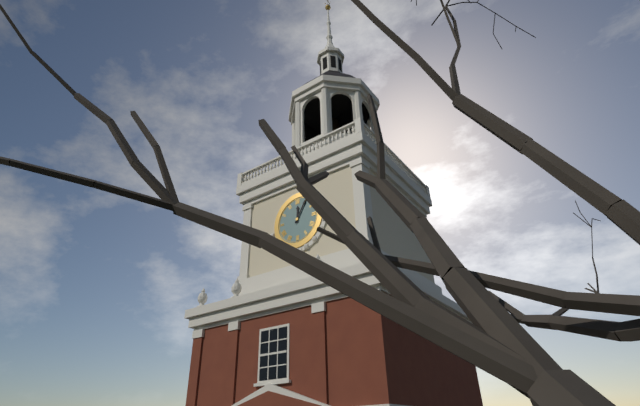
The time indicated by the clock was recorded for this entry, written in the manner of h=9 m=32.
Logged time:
h=12 m=5
